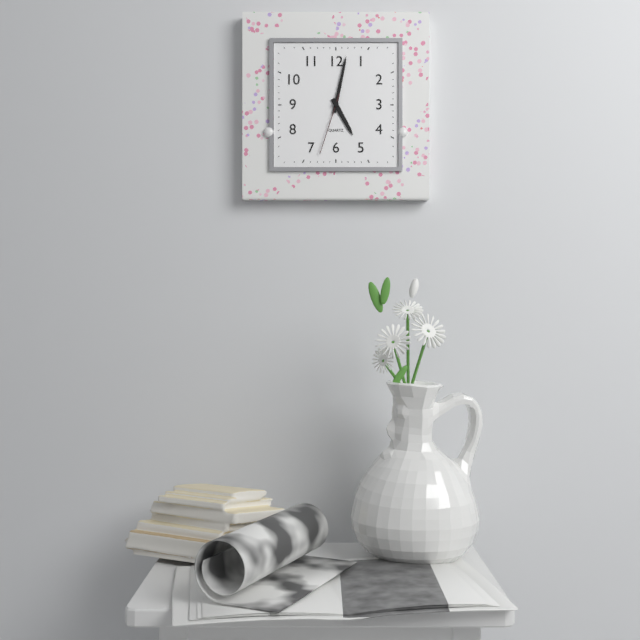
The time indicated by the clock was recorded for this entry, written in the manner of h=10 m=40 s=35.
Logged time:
h=5 m=2 s=33
